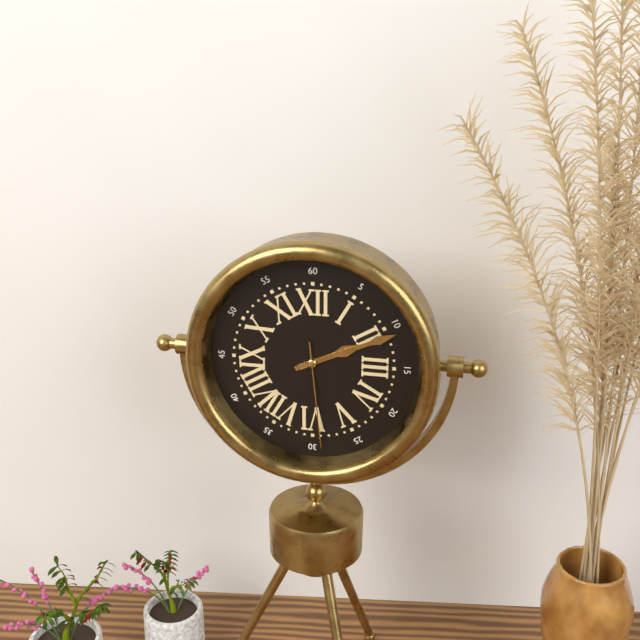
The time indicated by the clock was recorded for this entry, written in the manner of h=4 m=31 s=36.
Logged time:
h=2 m=11 s=29
